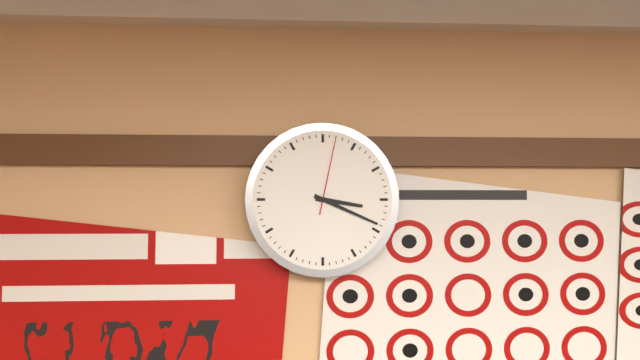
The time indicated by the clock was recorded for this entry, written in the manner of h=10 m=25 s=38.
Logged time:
h=3 m=19 s=2
